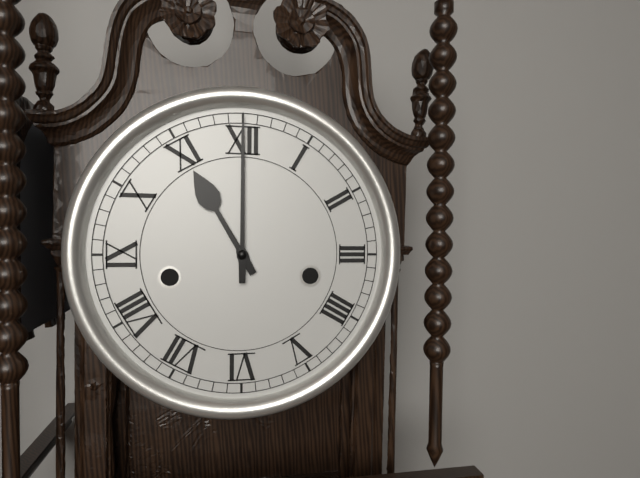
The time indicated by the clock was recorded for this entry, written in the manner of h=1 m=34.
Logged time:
h=11 m=0
